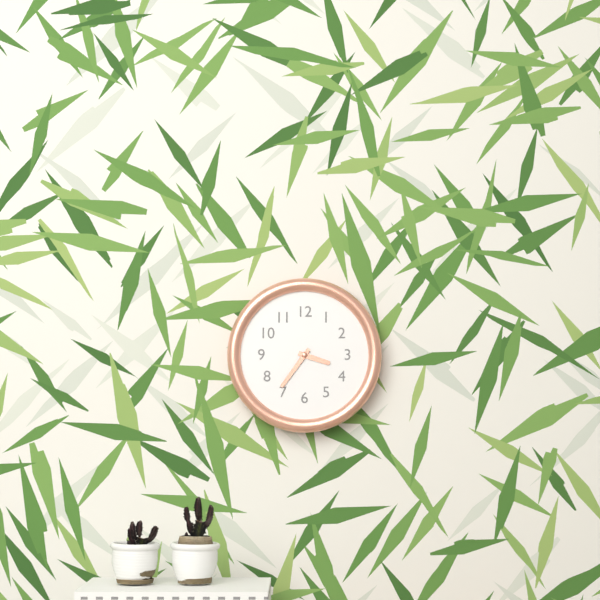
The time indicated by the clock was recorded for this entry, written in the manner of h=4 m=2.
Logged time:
h=3 m=36
